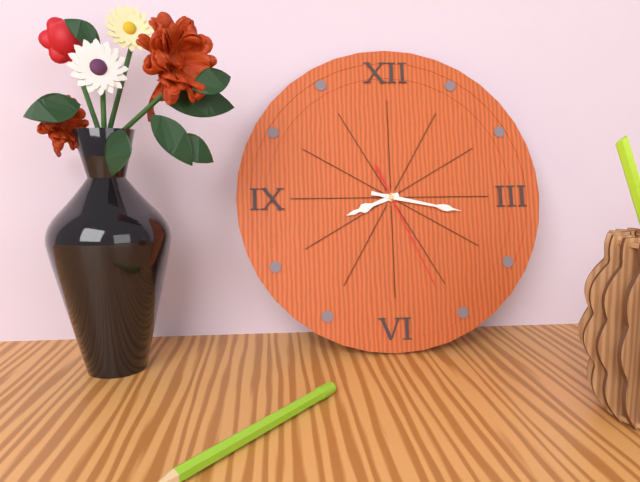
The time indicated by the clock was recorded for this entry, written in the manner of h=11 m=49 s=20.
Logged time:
h=8 m=17 s=26
